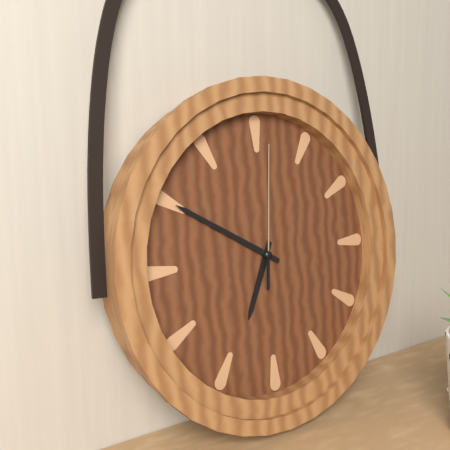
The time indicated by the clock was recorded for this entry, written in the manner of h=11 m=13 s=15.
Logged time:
h=6 m=50 s=1
